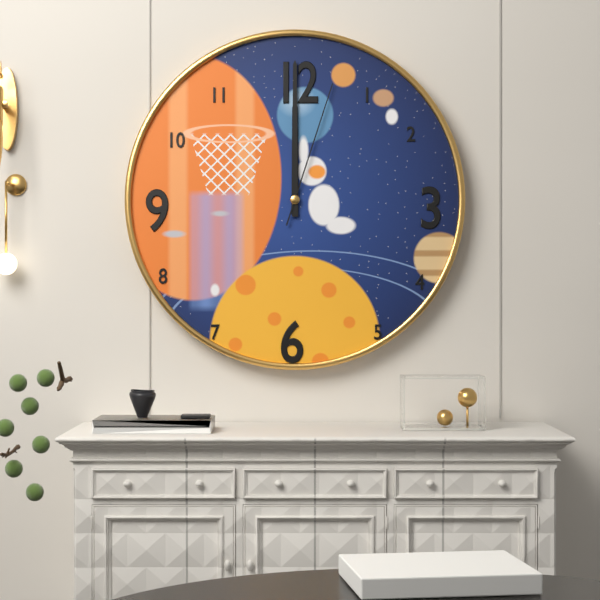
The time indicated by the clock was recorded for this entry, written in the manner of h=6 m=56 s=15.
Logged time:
h=12 m=0 s=3
